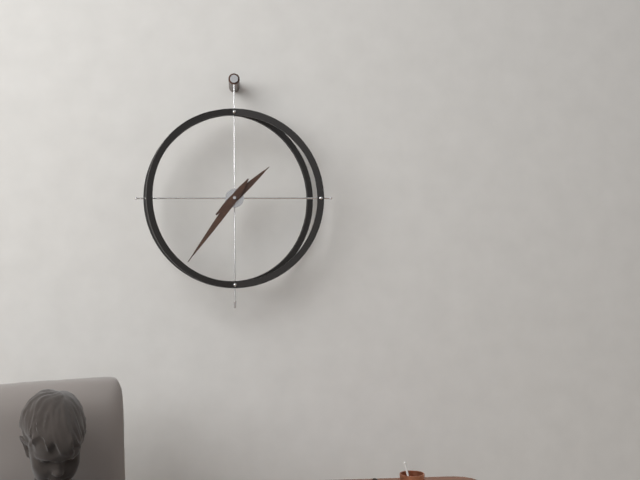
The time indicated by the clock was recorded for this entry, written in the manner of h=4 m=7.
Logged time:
h=1 m=36
